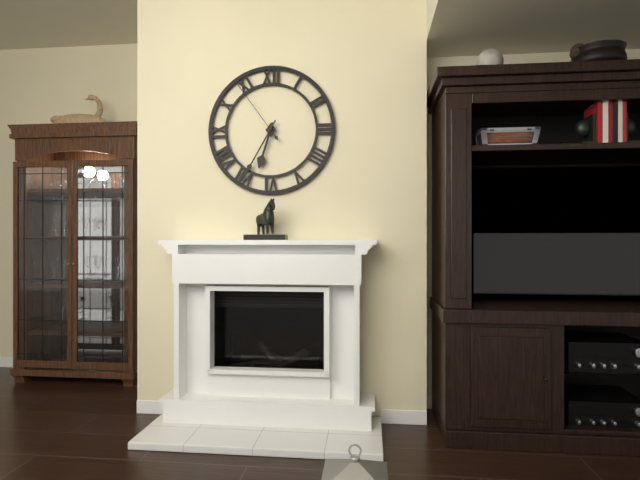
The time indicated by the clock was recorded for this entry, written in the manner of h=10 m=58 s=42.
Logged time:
h=6 m=35 s=54
